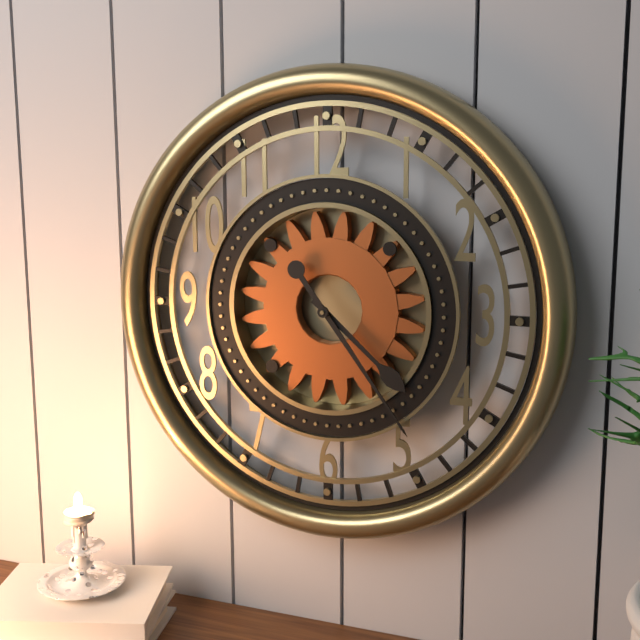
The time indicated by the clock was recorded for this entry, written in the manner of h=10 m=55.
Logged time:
h=4 m=24
